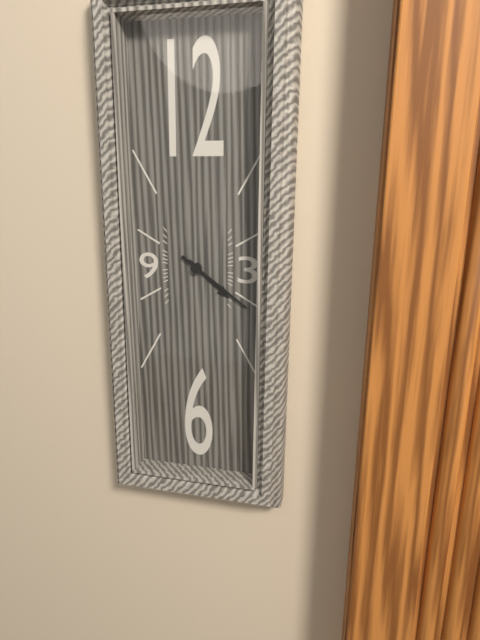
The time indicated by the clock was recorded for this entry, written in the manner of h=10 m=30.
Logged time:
h=4 m=21
